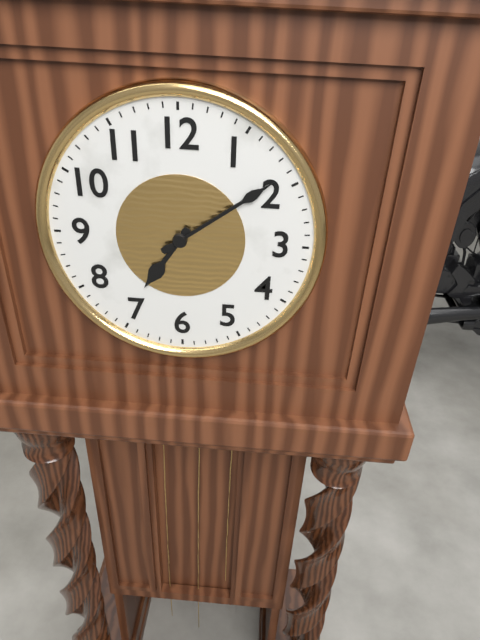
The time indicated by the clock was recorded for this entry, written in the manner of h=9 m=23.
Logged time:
h=7 m=9
